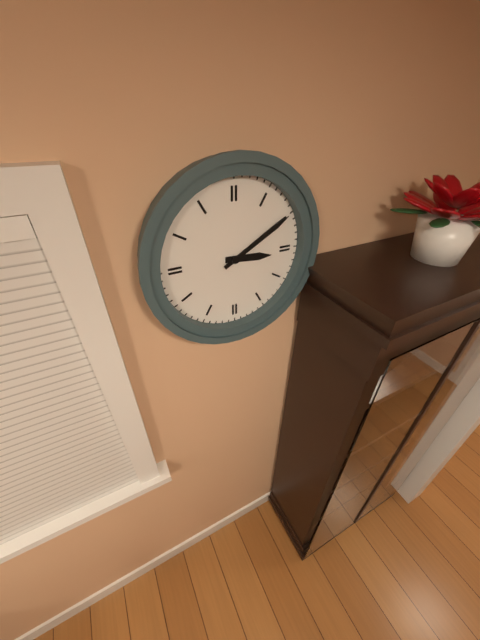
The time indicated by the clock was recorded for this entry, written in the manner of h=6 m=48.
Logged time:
h=3 m=10
